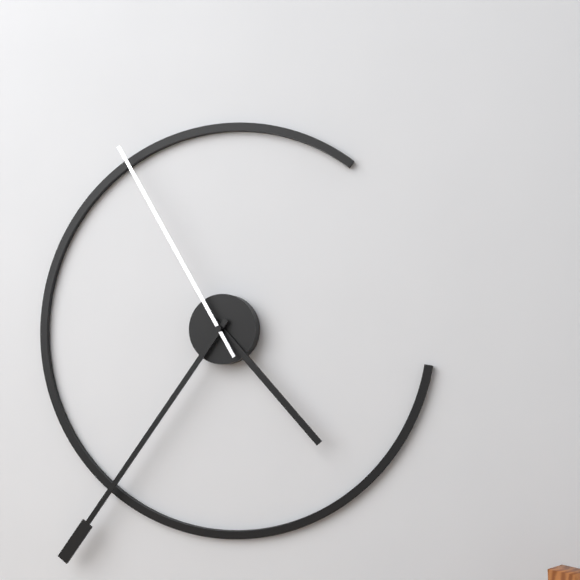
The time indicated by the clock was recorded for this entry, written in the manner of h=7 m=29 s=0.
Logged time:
h=4 m=36 s=55
